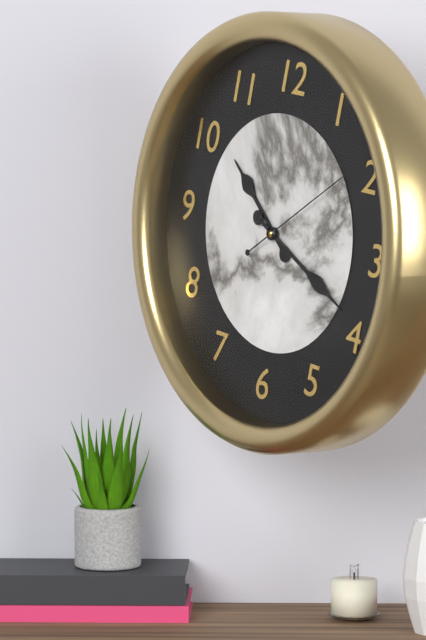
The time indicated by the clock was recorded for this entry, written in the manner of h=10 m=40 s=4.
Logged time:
h=10 m=19 s=9
